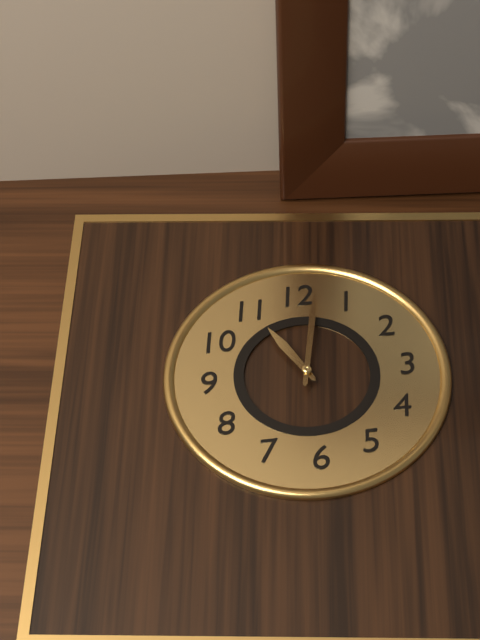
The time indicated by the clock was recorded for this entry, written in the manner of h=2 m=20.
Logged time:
h=11 m=2
